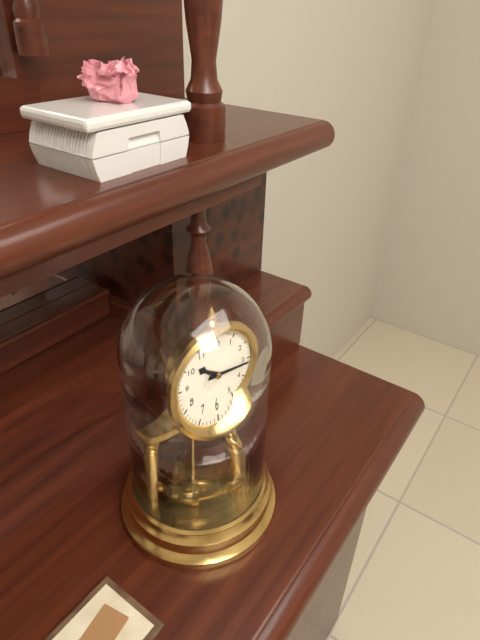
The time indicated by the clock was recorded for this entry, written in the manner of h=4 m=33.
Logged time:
h=10 m=16
